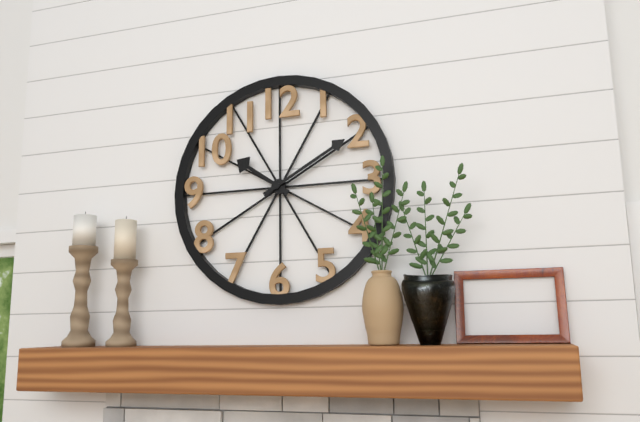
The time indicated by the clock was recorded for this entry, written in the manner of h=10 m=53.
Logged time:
h=10 m=10
